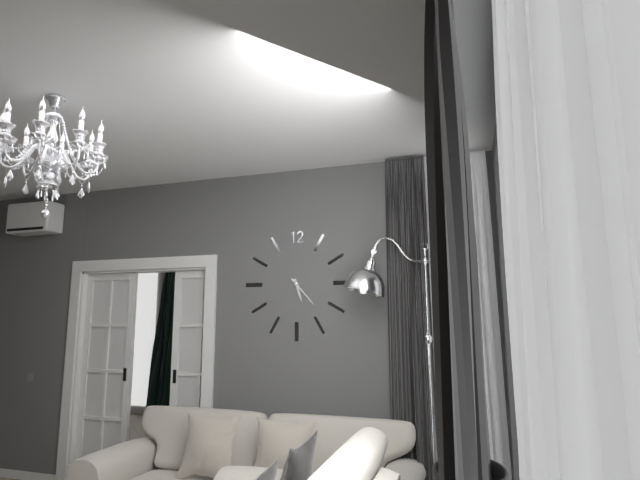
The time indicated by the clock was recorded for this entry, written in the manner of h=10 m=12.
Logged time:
h=5 m=23
